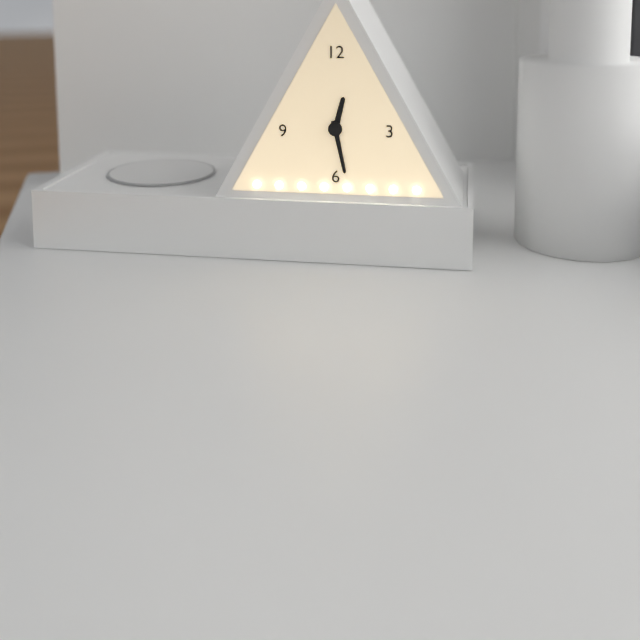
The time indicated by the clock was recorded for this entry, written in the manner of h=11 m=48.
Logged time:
h=12 m=28
